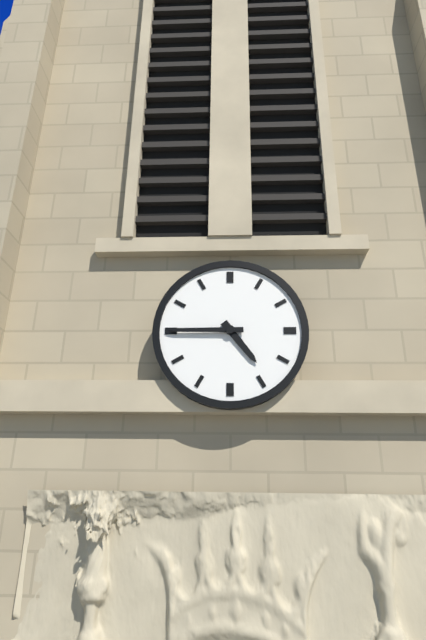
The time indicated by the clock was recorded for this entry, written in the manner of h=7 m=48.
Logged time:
h=4 m=45
